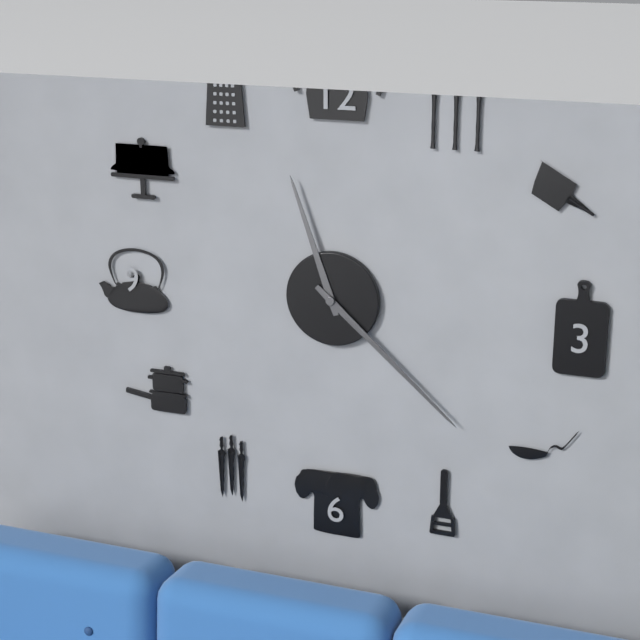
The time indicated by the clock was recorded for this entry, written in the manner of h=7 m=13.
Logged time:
h=11 m=22
